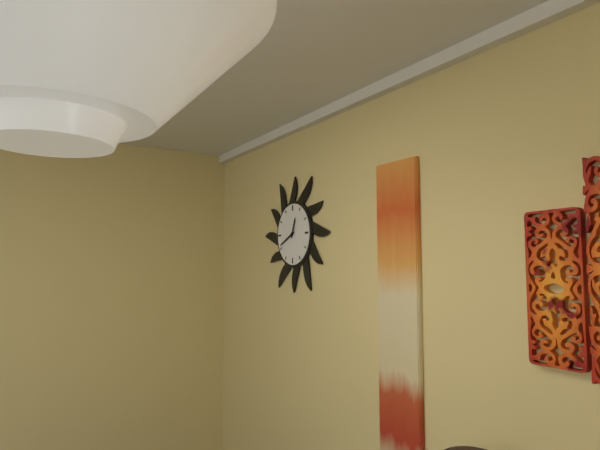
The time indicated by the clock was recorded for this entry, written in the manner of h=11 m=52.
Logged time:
h=12 m=41
